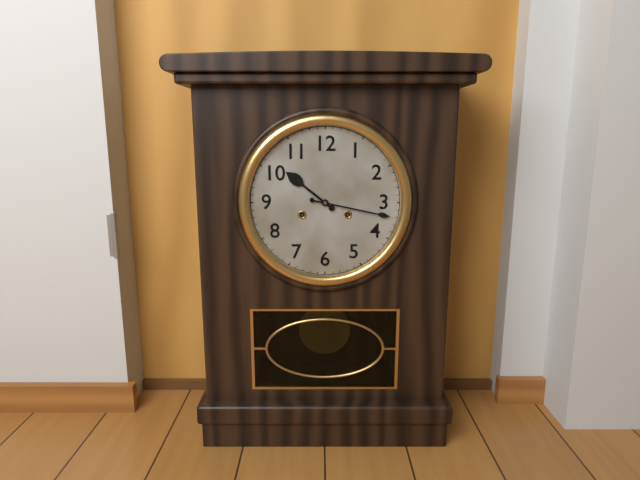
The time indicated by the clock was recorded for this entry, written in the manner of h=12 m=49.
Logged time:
h=10 m=17
